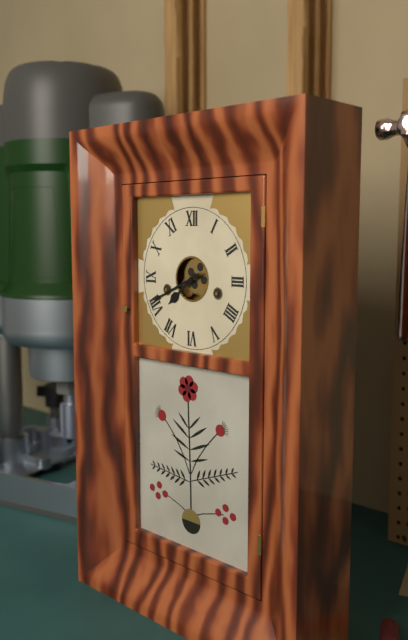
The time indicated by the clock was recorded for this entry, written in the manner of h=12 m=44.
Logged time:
h=7 m=41
